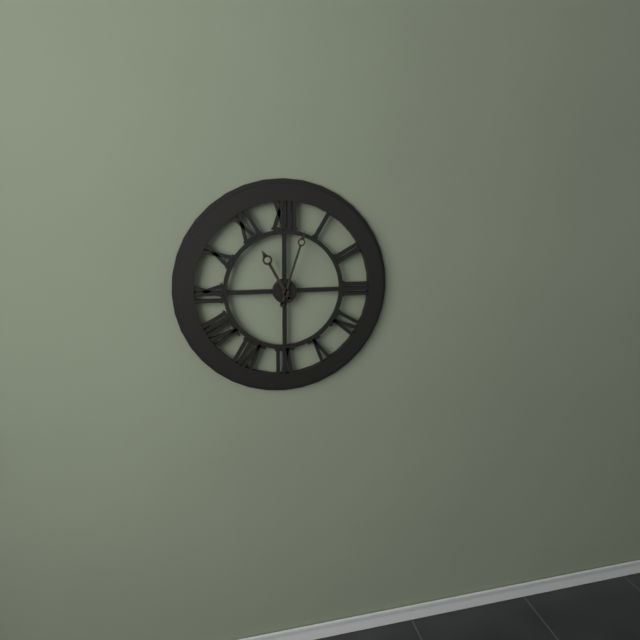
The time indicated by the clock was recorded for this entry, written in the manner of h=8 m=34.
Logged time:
h=11 m=3
